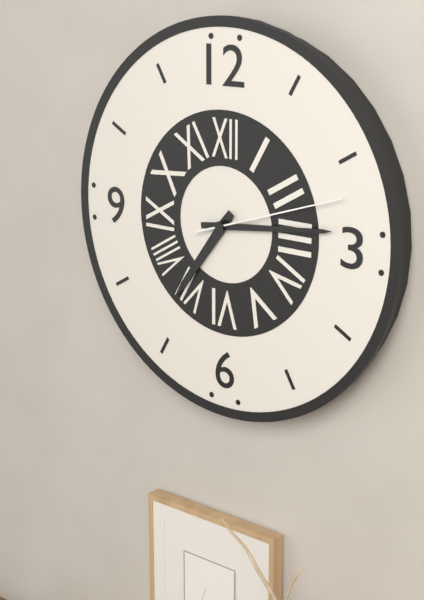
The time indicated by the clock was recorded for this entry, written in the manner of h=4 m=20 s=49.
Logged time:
h=7 m=14 s=12
